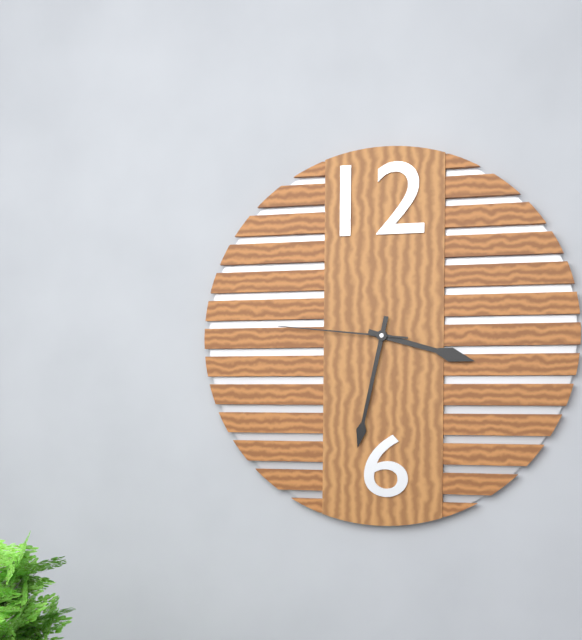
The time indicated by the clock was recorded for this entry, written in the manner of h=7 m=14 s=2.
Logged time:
h=3 m=32 s=46
